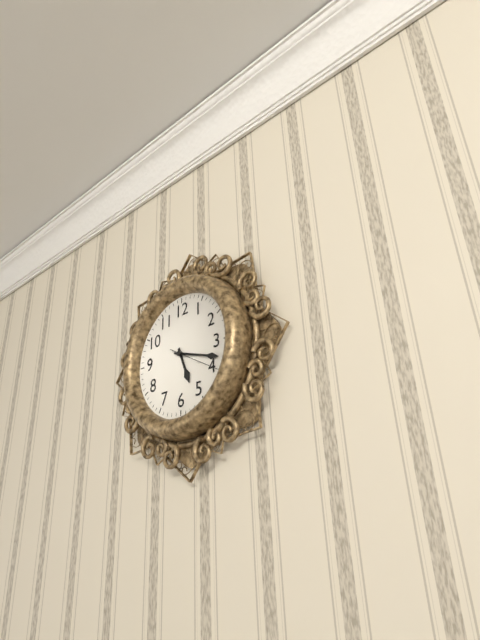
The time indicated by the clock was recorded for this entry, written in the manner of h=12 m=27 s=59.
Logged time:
h=5 m=18 s=20
